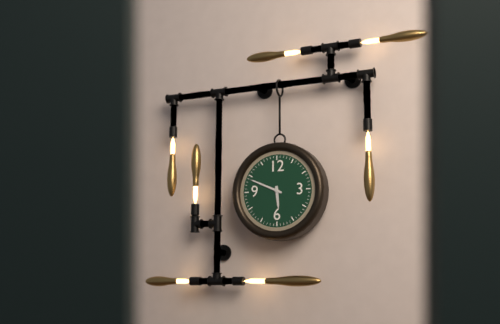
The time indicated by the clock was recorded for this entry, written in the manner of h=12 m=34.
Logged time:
h=5 m=49
